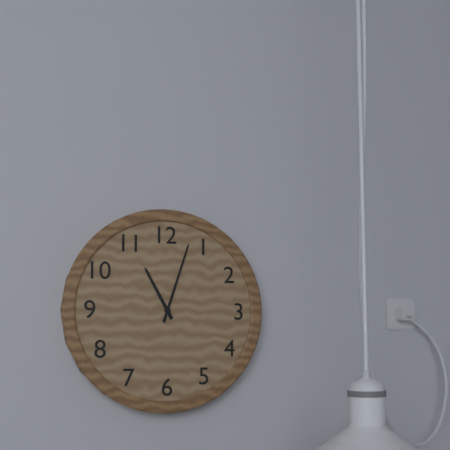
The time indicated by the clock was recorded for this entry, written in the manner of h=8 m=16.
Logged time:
h=11 m=3
